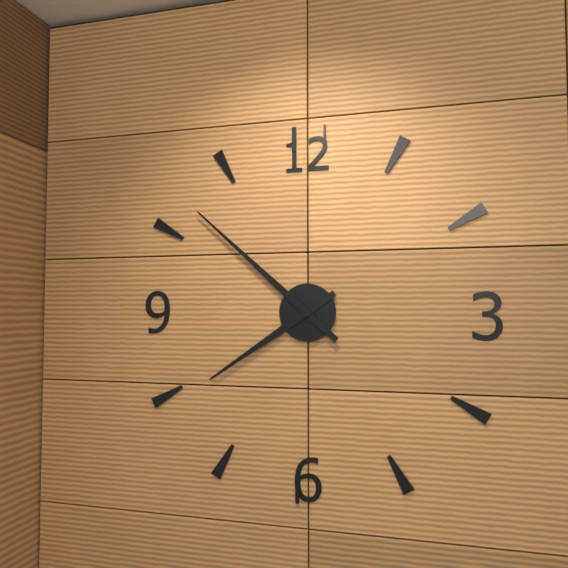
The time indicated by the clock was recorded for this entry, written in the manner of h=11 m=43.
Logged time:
h=7 m=52
